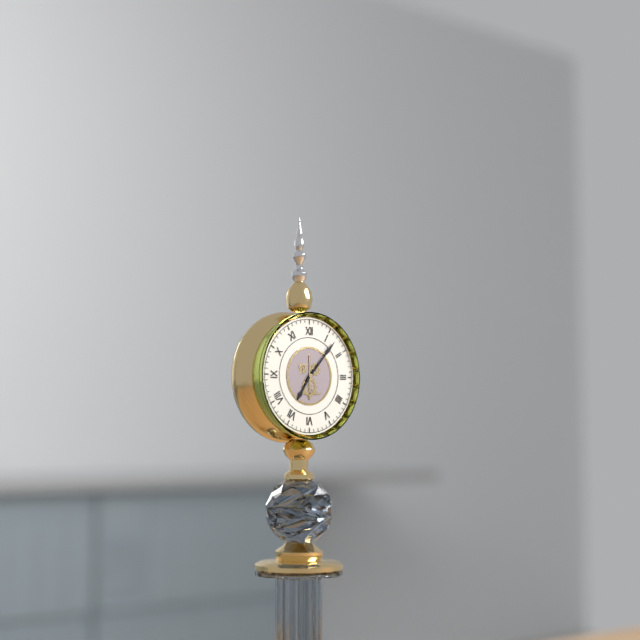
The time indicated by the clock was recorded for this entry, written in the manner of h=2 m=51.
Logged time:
h=7 m=7
